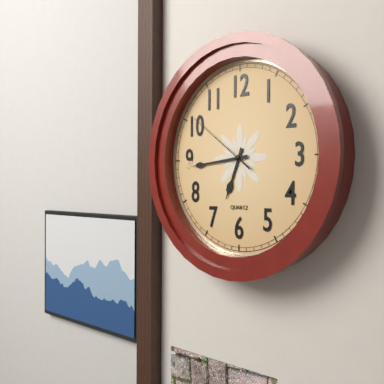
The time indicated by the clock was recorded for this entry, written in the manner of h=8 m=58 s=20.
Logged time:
h=6 m=44 s=51
